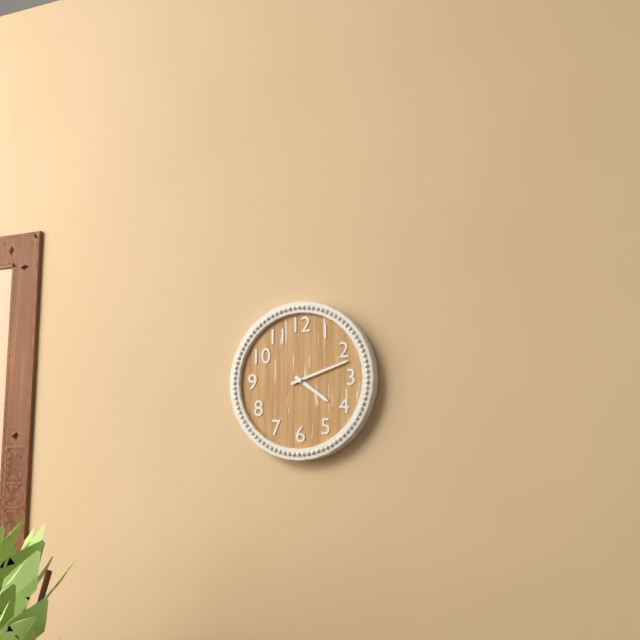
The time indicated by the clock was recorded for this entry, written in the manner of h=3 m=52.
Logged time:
h=4 m=12
